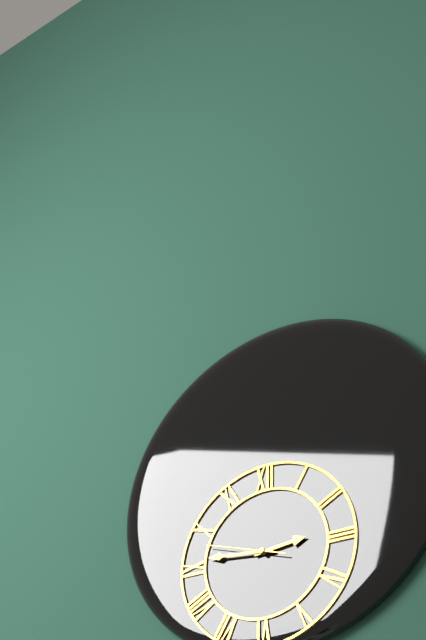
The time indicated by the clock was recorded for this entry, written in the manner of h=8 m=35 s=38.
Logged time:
h=2 m=46 s=48
